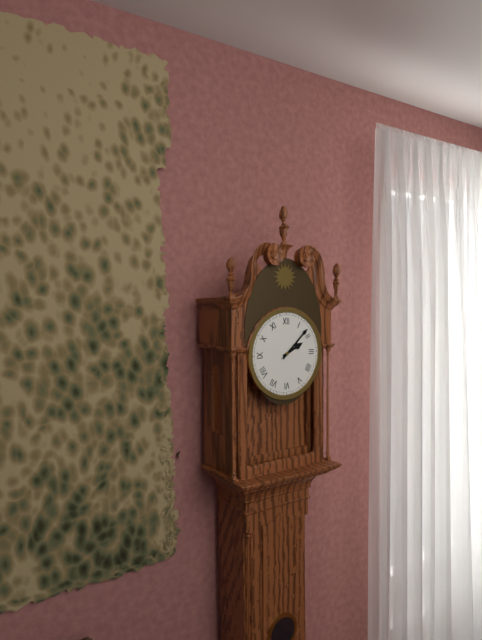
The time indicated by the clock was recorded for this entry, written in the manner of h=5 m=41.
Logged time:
h=2 m=8
